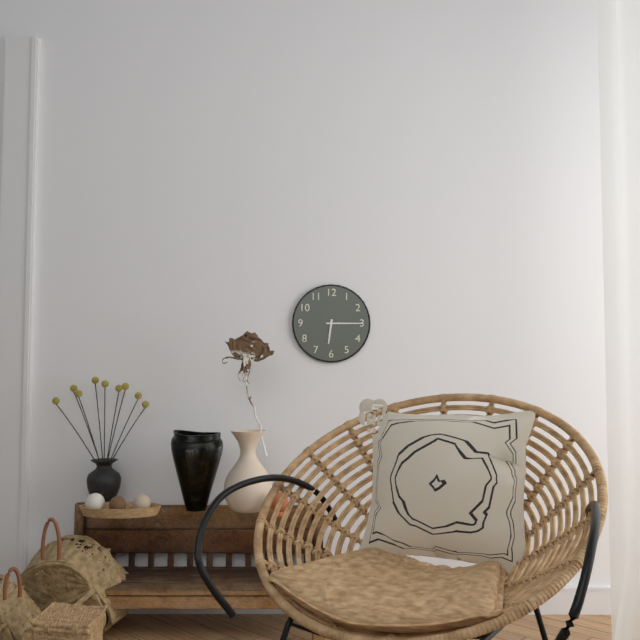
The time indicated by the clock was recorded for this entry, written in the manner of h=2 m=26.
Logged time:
h=6 m=15
